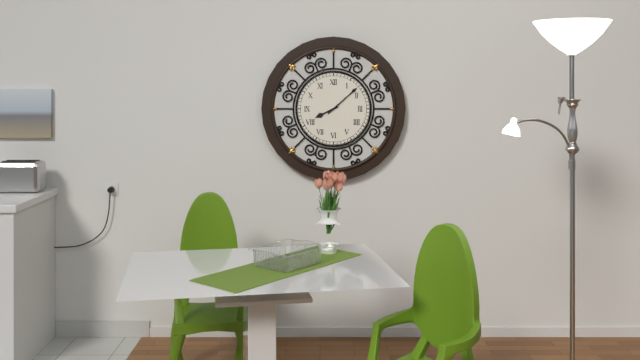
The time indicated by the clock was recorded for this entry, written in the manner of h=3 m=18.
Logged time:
h=8 m=8
